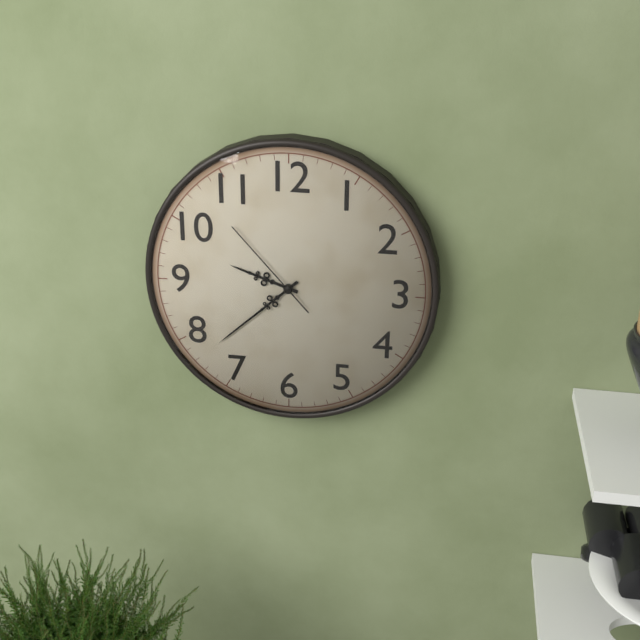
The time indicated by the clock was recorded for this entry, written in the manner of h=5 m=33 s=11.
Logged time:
h=9 m=38 s=53
